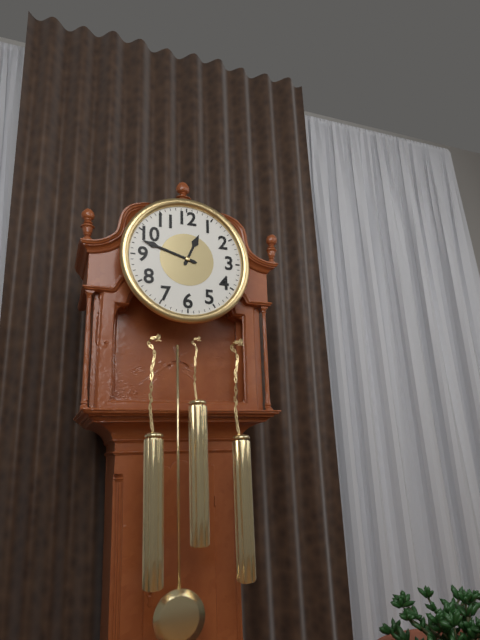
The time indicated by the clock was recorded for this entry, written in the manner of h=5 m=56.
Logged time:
h=12 m=48
